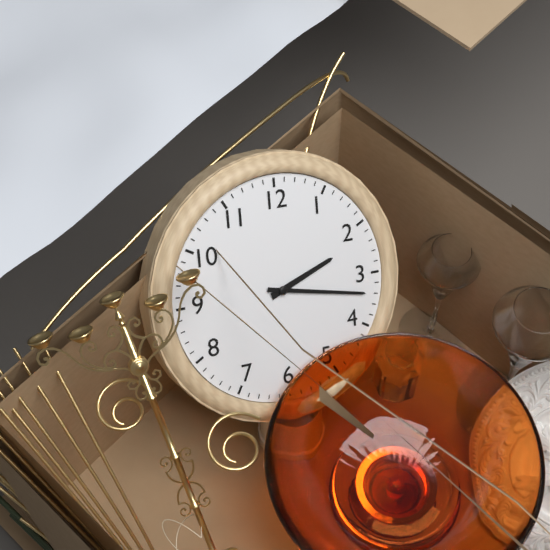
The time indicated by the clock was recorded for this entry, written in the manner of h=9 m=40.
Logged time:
h=2 m=17
